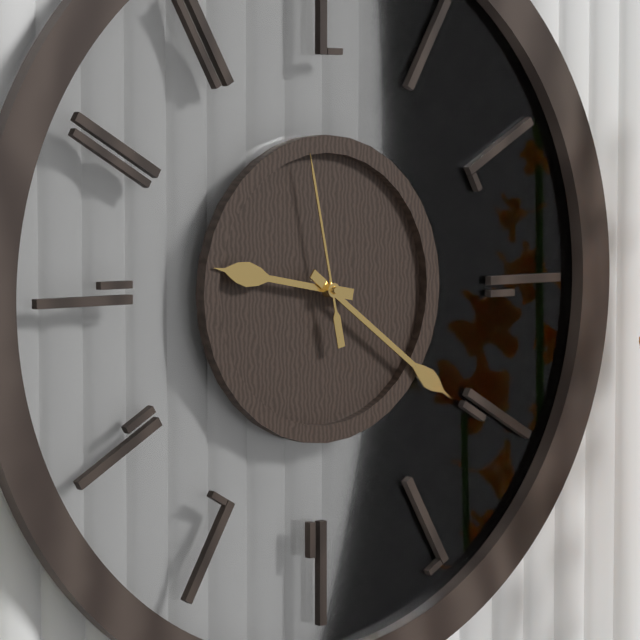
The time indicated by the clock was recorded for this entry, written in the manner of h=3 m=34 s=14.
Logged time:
h=9 m=21 s=58
